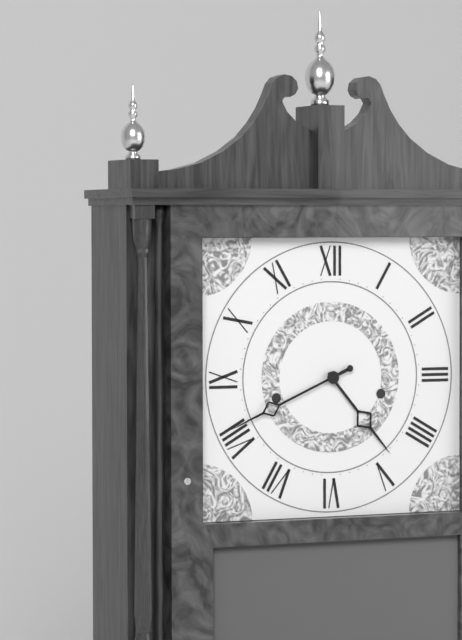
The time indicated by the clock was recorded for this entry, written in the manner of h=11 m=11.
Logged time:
h=4 m=41
